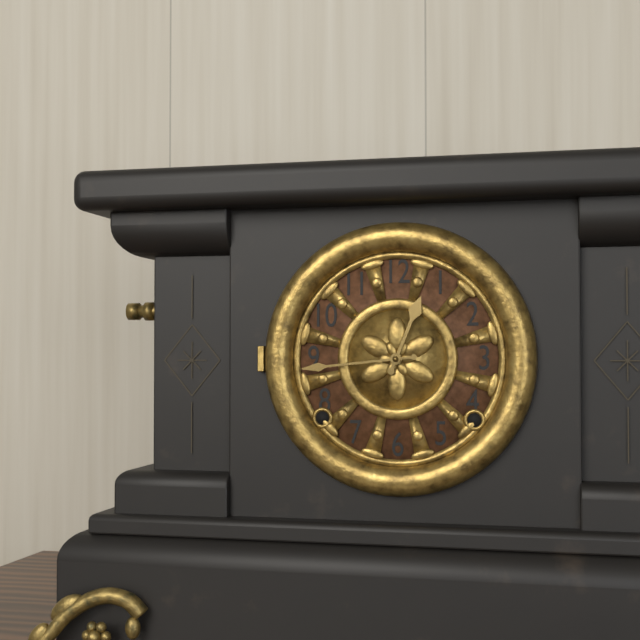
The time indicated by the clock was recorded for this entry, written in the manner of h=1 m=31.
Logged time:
h=12 m=44
